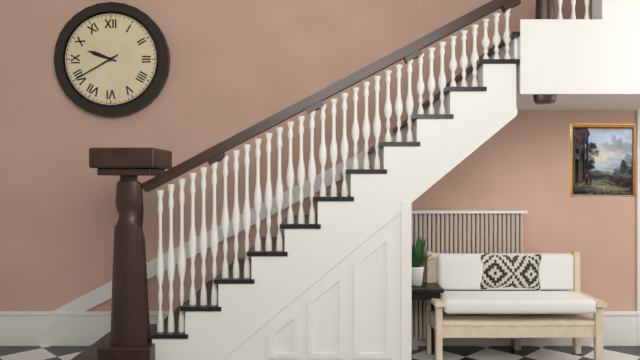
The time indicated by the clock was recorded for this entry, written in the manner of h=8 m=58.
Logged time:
h=9 m=40
